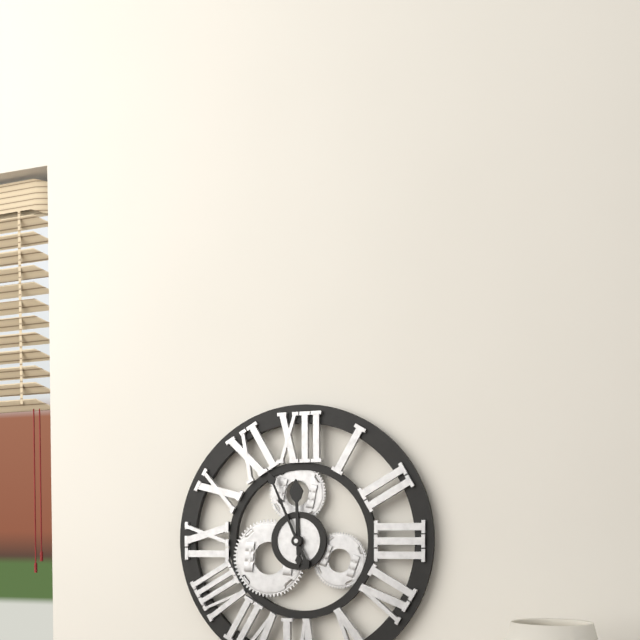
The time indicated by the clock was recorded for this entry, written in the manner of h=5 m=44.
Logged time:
h=11 m=56
